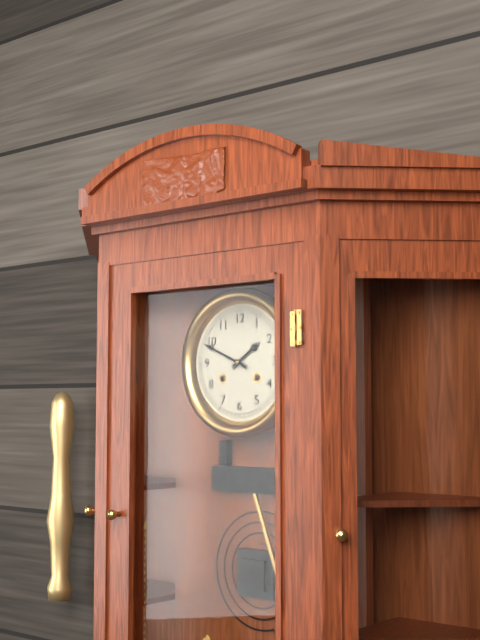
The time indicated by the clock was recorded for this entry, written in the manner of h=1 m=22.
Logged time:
h=1 m=49
